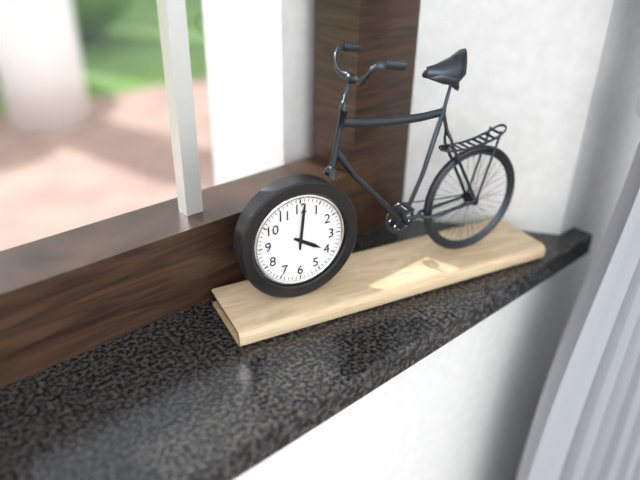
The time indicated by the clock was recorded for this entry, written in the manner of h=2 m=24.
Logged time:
h=4 m=1
